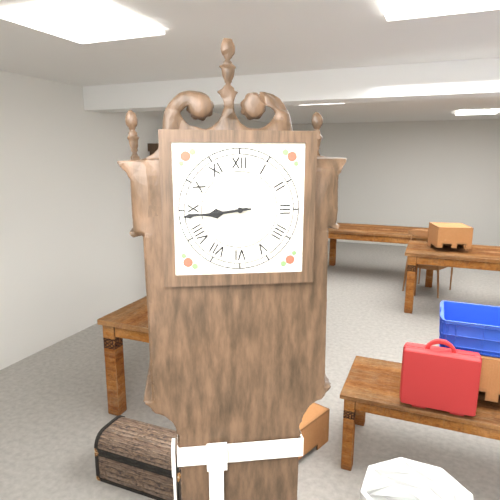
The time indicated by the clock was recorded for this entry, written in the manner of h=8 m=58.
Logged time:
h=8 m=44
